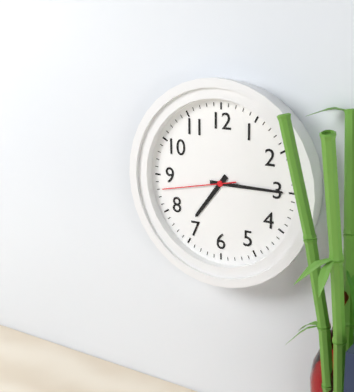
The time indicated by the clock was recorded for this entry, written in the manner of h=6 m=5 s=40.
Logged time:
h=7 m=15 s=43
